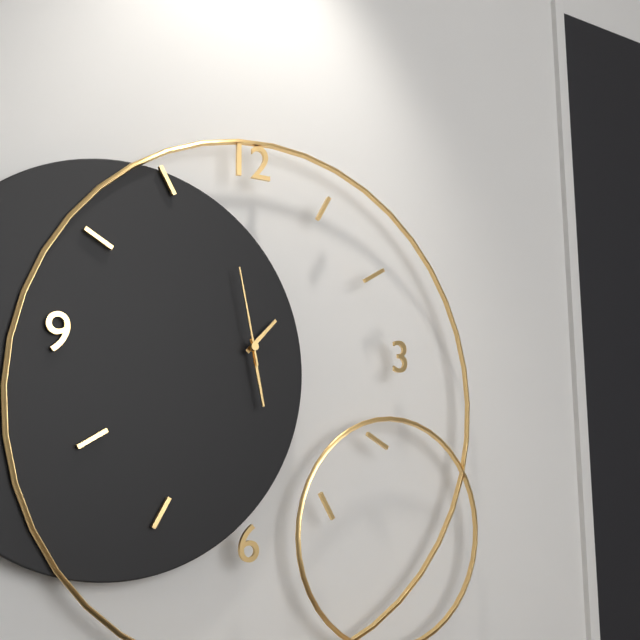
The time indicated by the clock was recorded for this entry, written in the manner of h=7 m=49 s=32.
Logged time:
h=1 m=28 s=58
